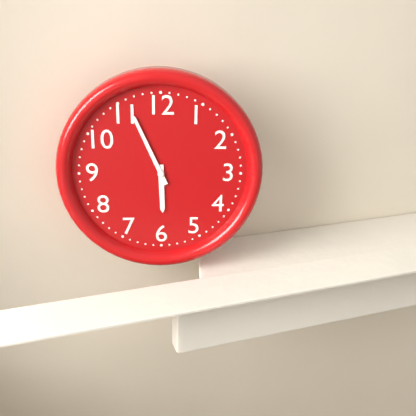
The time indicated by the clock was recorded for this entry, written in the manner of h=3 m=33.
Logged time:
h=5 m=56
